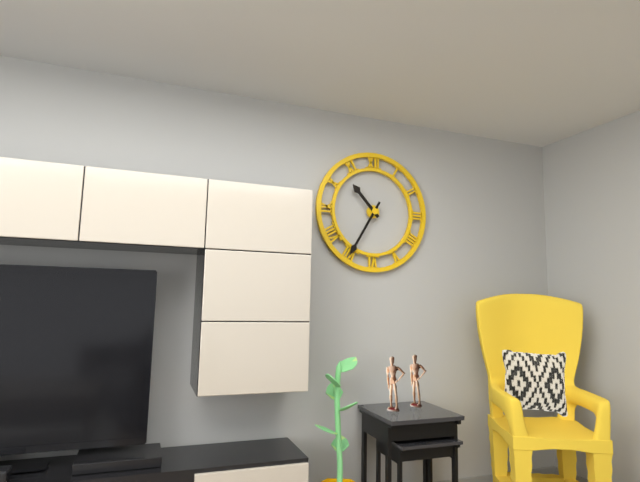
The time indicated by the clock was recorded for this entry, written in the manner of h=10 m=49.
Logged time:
h=10 m=35
